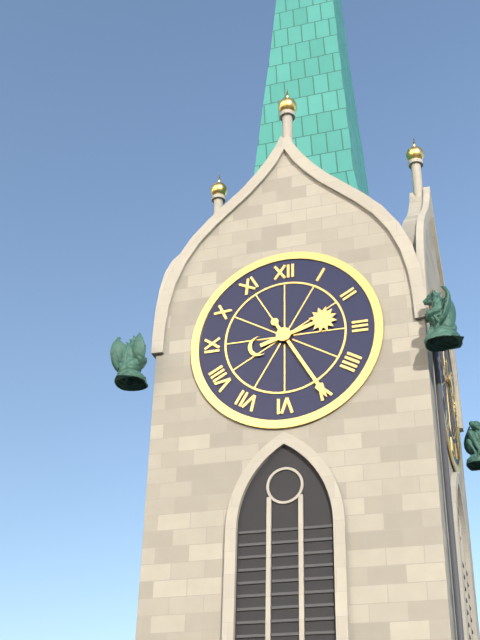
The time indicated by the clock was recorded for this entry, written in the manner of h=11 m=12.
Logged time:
h=2 m=25
